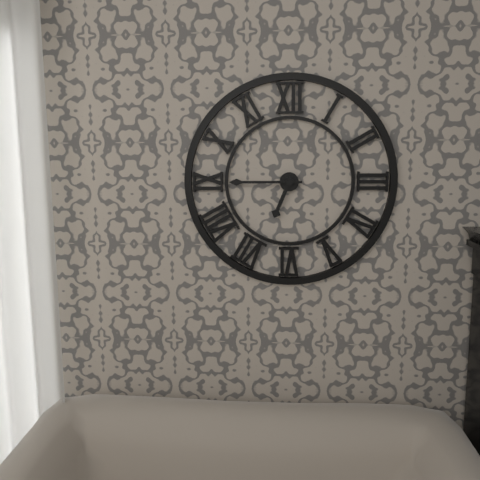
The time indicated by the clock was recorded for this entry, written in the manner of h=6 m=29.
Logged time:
h=6 m=45
